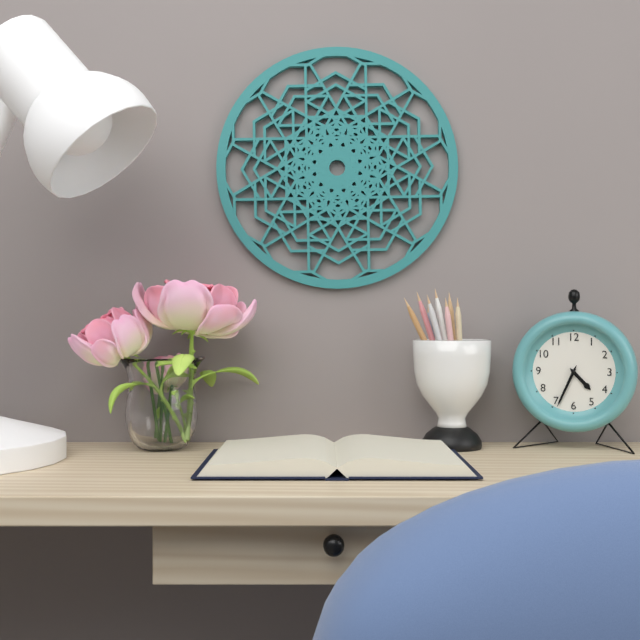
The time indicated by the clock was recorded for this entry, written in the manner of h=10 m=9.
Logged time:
h=4 m=34
